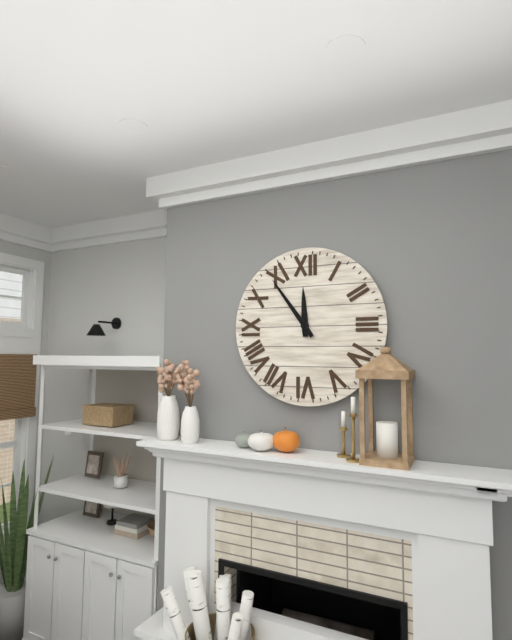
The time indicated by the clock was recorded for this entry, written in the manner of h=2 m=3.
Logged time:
h=11 m=54
